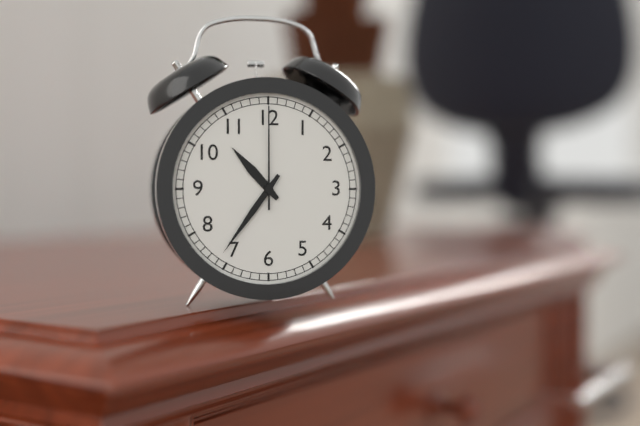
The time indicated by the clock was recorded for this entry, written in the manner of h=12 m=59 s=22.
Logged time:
h=10 m=36 s=0
